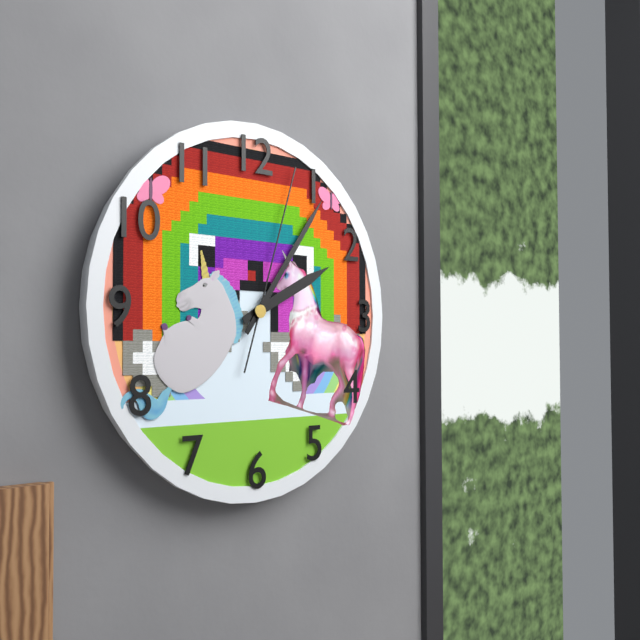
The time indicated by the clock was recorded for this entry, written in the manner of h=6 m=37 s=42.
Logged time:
h=2 m=6 s=3
